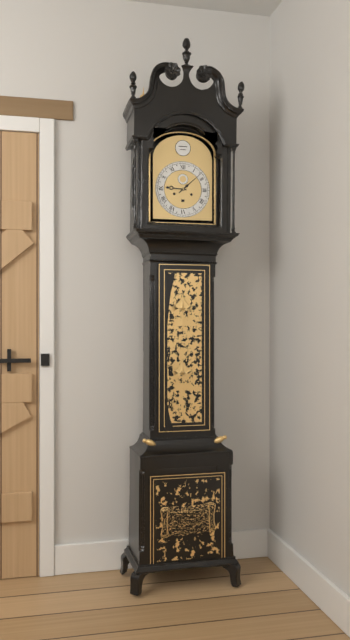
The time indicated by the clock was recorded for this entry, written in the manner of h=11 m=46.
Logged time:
h=9 m=8
